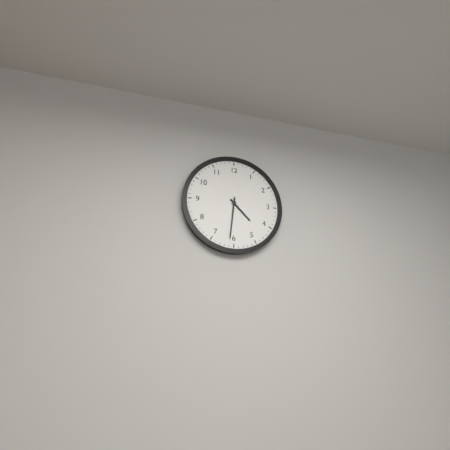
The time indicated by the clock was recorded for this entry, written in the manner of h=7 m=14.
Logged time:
h=4 m=31
